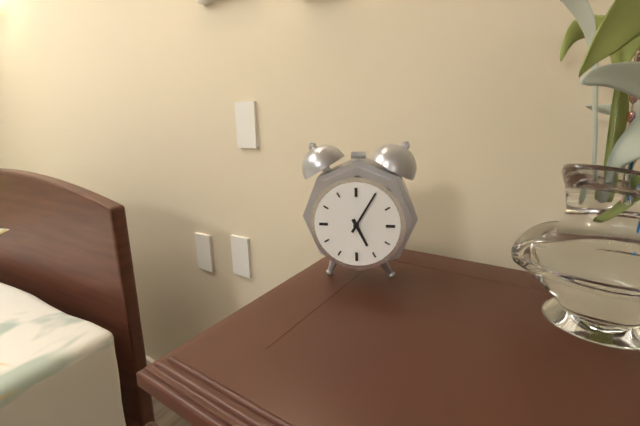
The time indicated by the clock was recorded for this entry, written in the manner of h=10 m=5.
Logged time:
h=5 m=5
